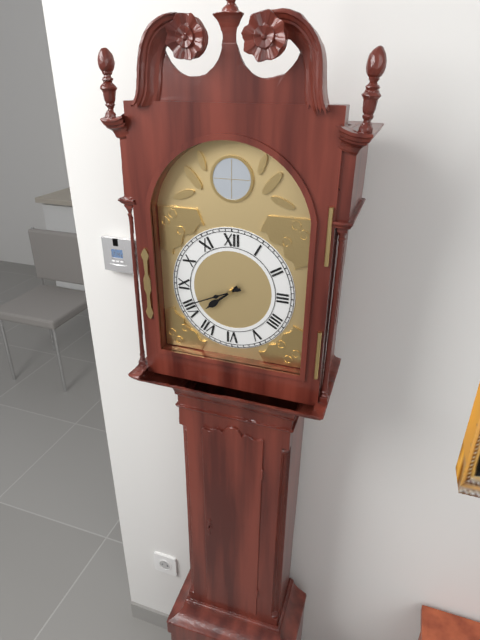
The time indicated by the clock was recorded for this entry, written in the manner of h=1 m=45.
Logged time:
h=7 m=41
